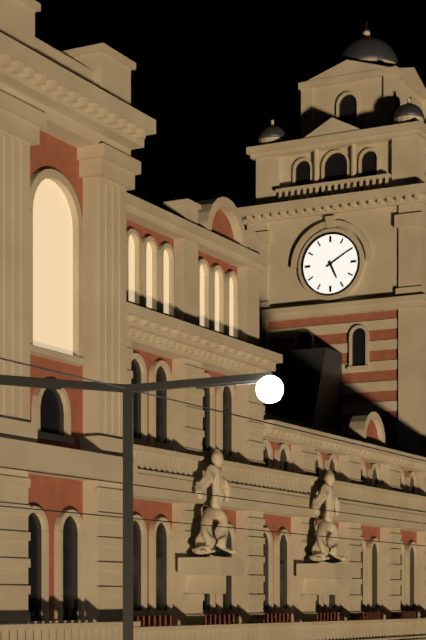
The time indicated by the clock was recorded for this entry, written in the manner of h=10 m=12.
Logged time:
h=5 m=10
